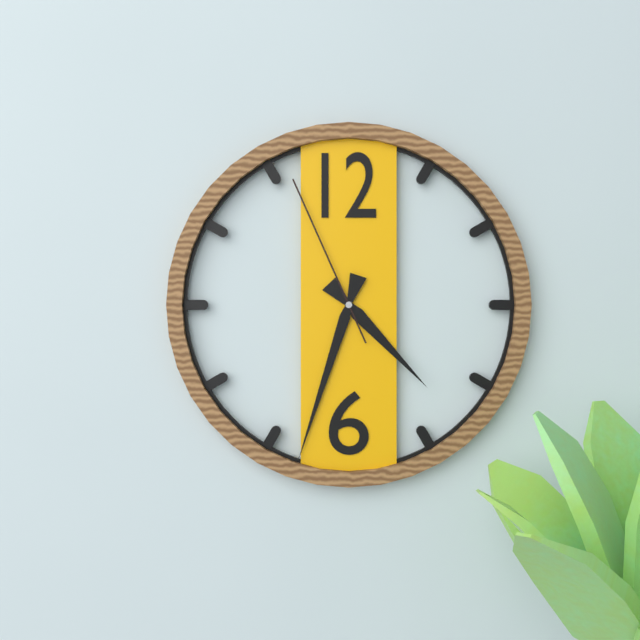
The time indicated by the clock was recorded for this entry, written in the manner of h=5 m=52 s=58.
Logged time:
h=4 m=33 s=56
